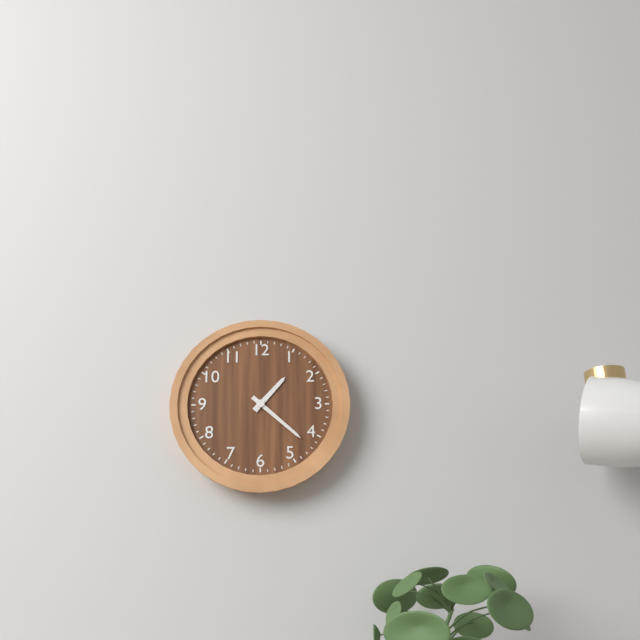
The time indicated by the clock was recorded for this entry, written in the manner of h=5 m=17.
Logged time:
h=1 m=22
